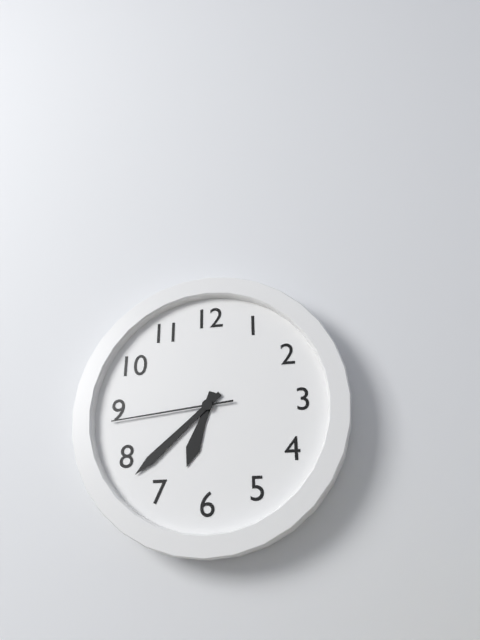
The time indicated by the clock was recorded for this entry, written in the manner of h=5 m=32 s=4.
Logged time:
h=6 m=38 s=44
